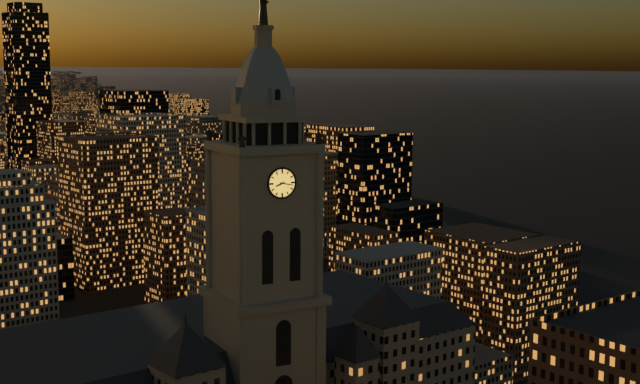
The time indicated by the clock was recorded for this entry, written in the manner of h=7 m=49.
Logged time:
h=8 m=17
